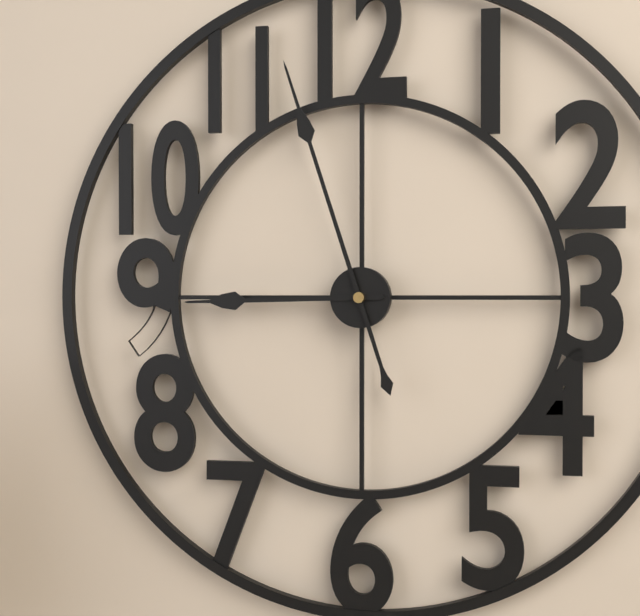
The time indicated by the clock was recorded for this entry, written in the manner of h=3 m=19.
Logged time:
h=8 m=57
